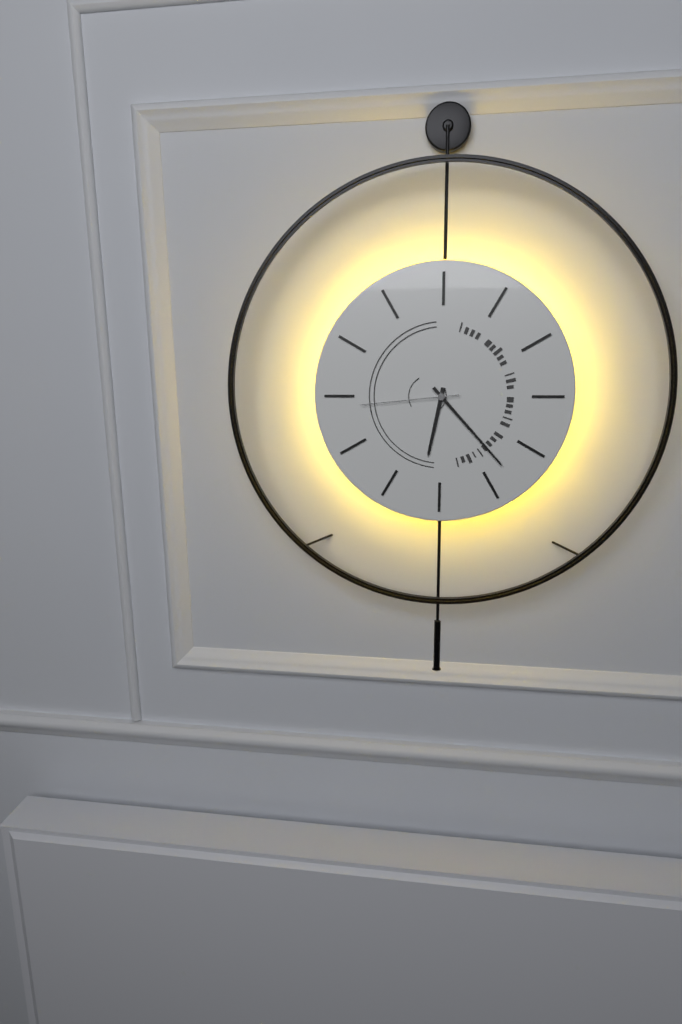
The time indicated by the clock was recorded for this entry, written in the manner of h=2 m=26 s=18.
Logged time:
h=6 m=23 s=44
